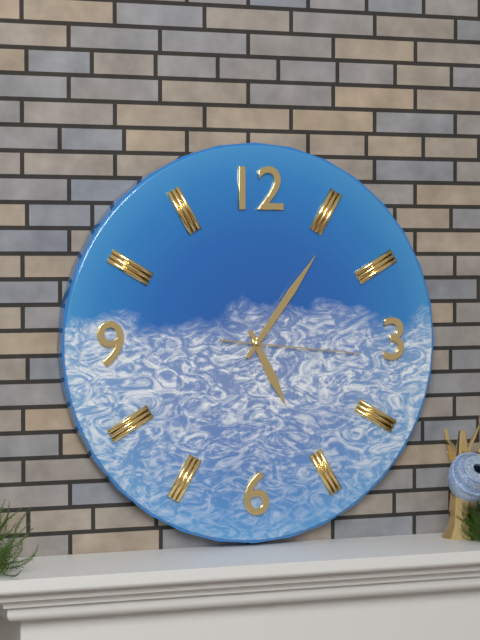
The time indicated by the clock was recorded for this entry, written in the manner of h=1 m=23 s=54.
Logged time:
h=5 m=6 s=16
